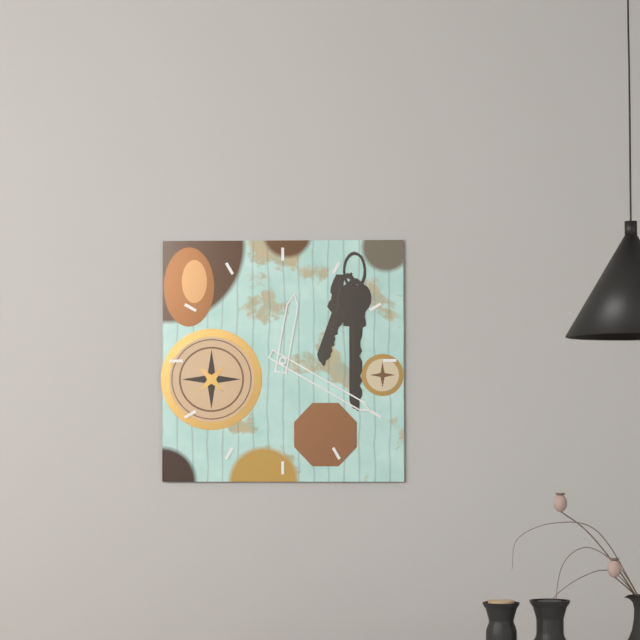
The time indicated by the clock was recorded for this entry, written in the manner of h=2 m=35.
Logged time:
h=12 m=20
